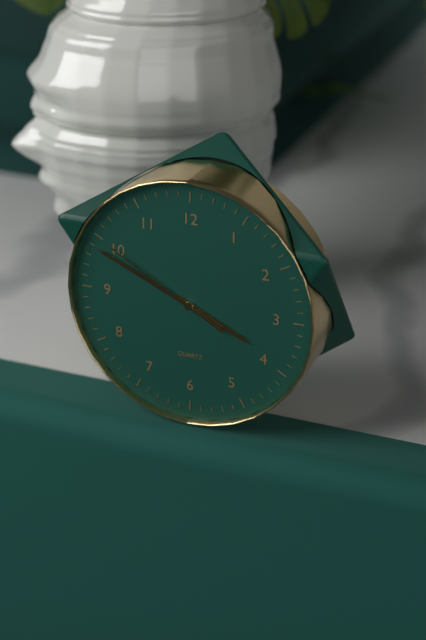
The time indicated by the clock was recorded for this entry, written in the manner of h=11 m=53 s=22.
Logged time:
h=3 m=49 s=50
